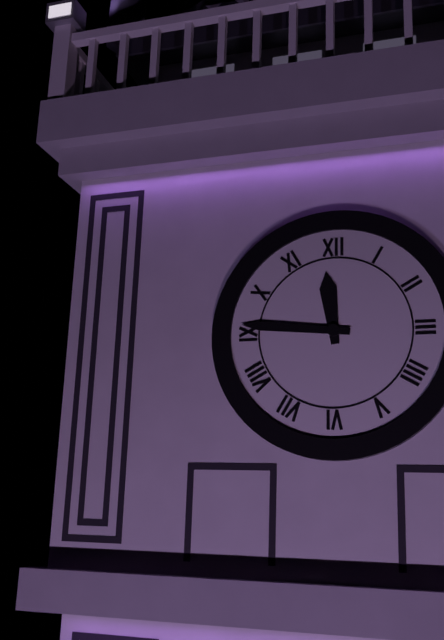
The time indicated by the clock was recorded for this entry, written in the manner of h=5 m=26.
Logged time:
h=11 m=46
